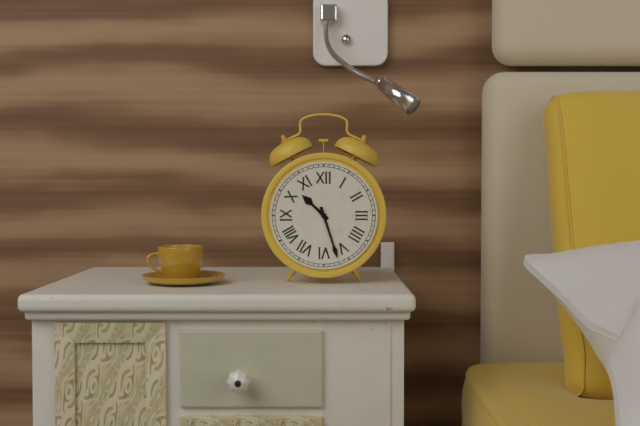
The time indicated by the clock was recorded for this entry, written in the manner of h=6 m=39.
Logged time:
h=10 m=27
